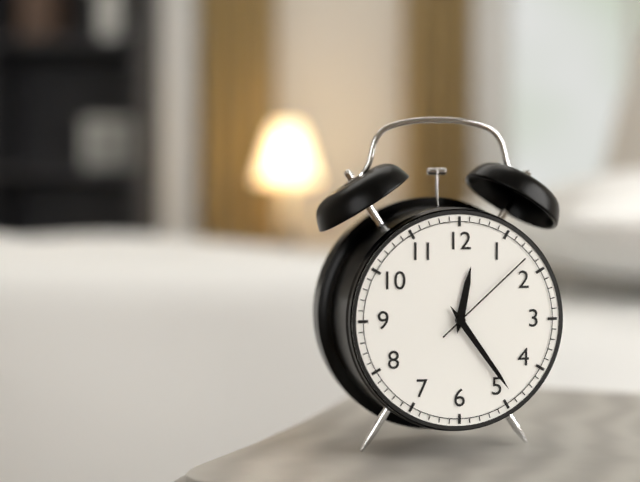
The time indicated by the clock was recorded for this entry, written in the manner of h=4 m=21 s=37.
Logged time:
h=12 m=24 s=8
